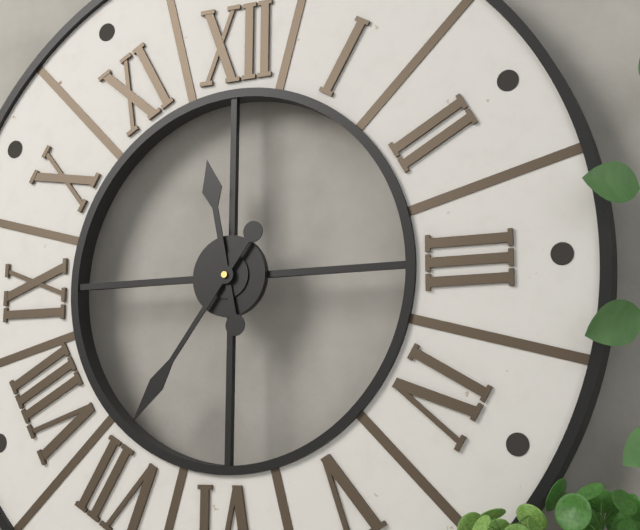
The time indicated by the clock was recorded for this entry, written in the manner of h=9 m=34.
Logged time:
h=11 m=36
